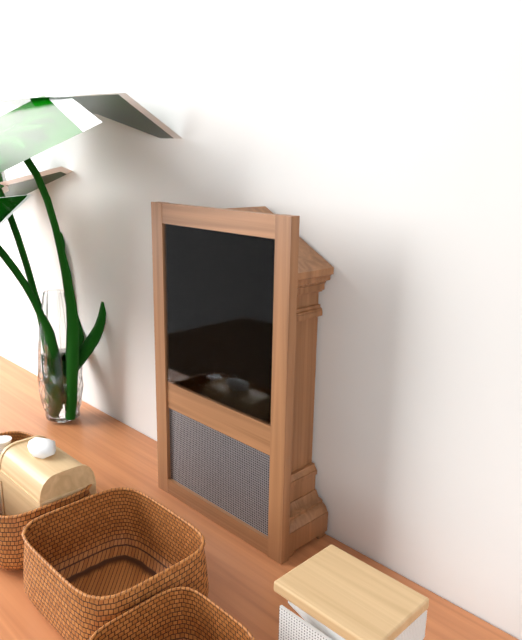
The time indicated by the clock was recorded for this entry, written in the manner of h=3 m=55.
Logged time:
h=7 m=57
